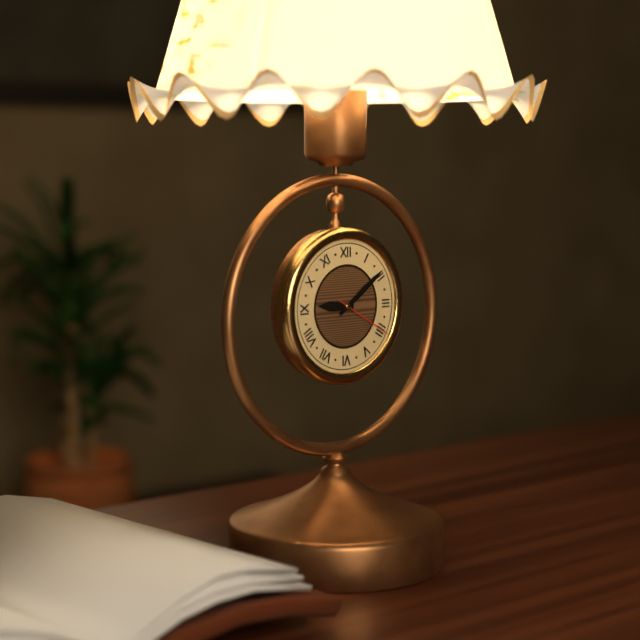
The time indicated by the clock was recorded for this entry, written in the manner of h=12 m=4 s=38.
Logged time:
h=9 m=9 s=20
